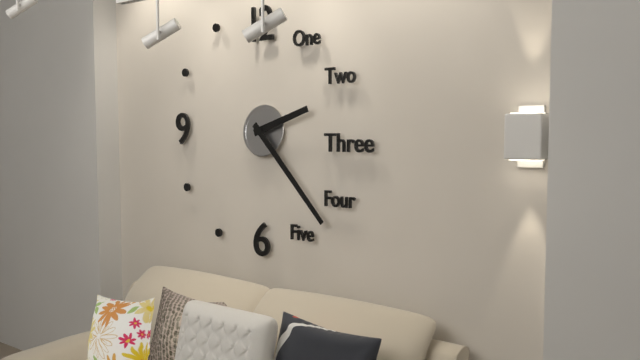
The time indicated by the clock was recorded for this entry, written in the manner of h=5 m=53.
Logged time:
h=2 m=23
